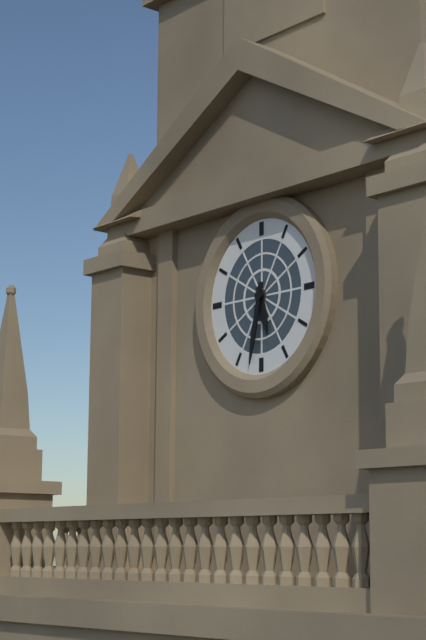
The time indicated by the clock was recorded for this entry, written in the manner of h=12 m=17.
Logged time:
h=5 m=32
